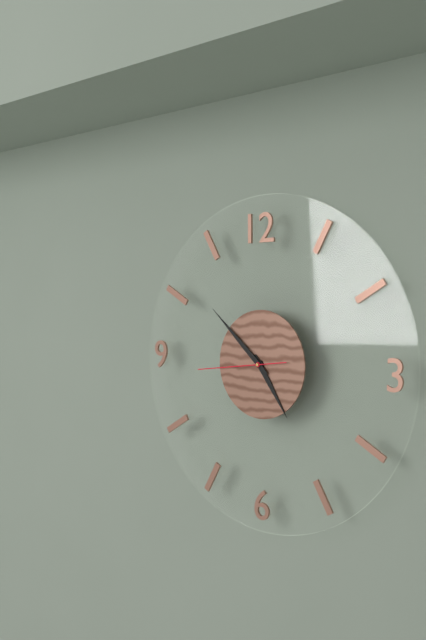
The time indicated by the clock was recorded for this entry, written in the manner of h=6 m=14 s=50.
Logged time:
h=4 m=52 s=44
